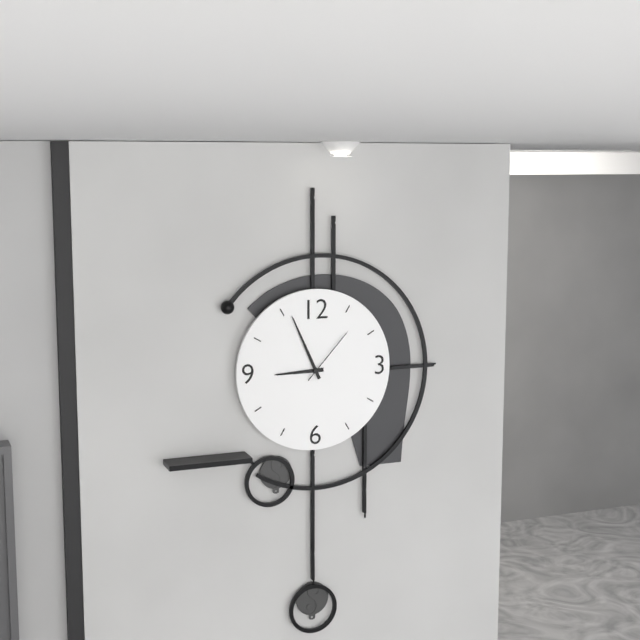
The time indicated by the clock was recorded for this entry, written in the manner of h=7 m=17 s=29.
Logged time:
h=8 m=56 s=7
